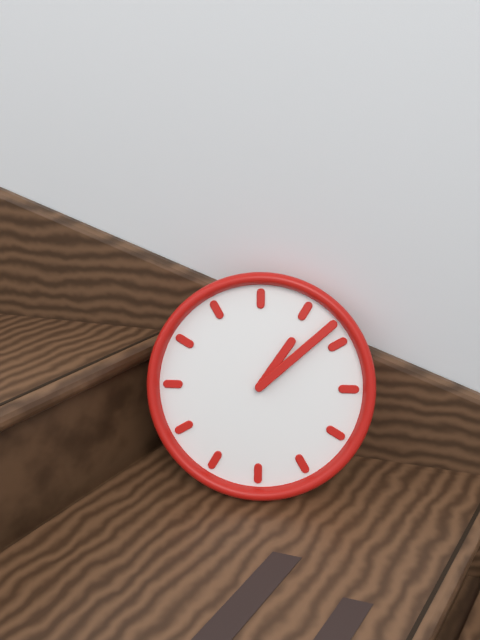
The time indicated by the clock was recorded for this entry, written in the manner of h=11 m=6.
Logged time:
h=1 m=8
